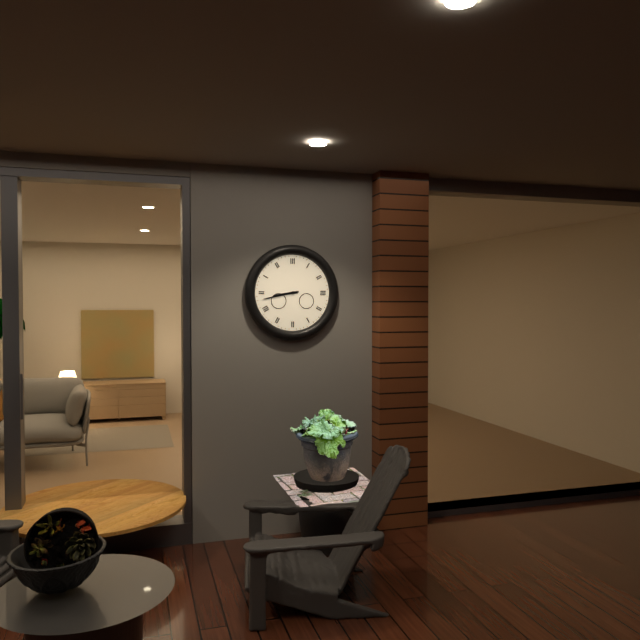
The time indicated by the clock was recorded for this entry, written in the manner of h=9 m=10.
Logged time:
h=8 m=43
